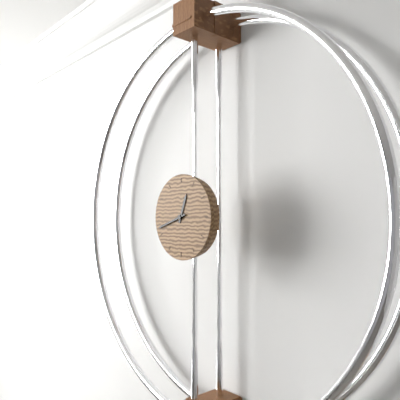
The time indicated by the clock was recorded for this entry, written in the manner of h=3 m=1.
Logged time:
h=12 m=42
